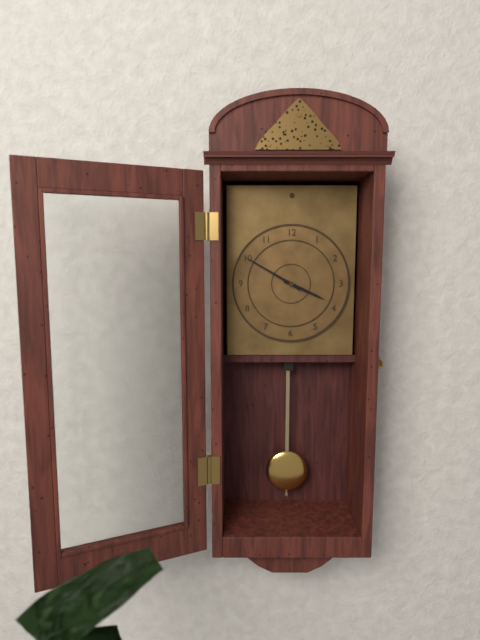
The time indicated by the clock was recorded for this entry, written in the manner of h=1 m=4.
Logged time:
h=3 m=50
